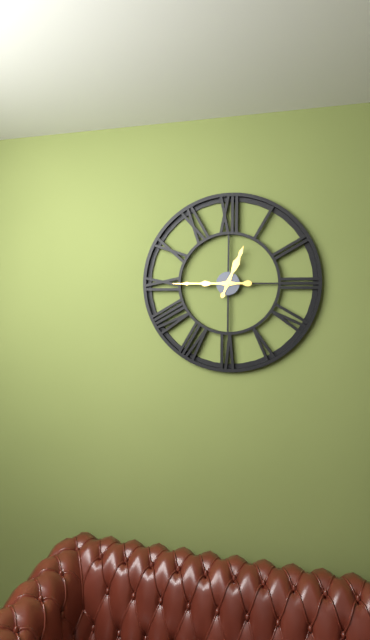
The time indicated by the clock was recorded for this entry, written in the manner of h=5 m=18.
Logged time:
h=12 m=45
